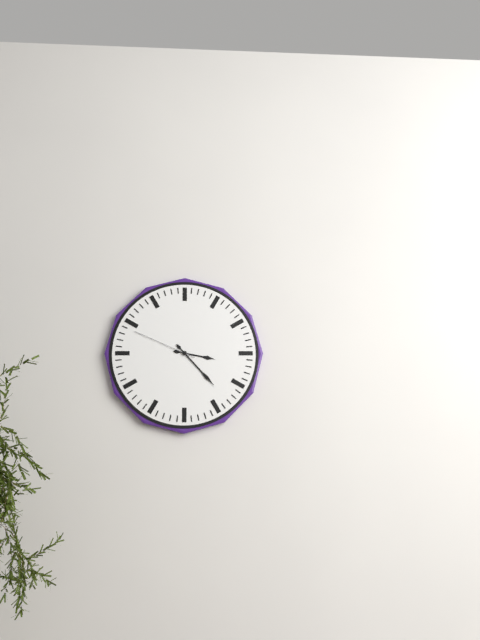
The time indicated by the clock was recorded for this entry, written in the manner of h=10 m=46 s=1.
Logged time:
h=3 m=23 s=49
